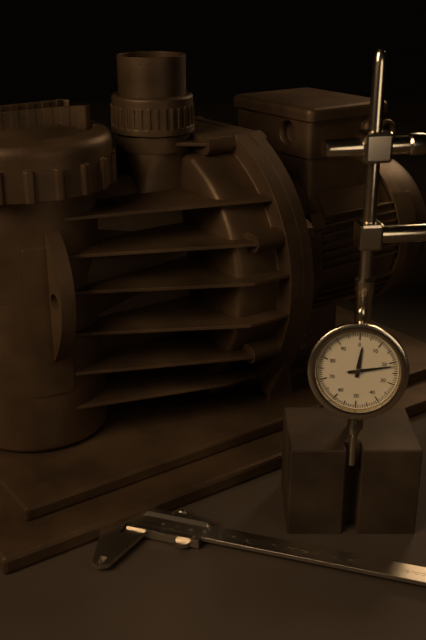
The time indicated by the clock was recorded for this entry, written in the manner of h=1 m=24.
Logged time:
h=12 m=13
